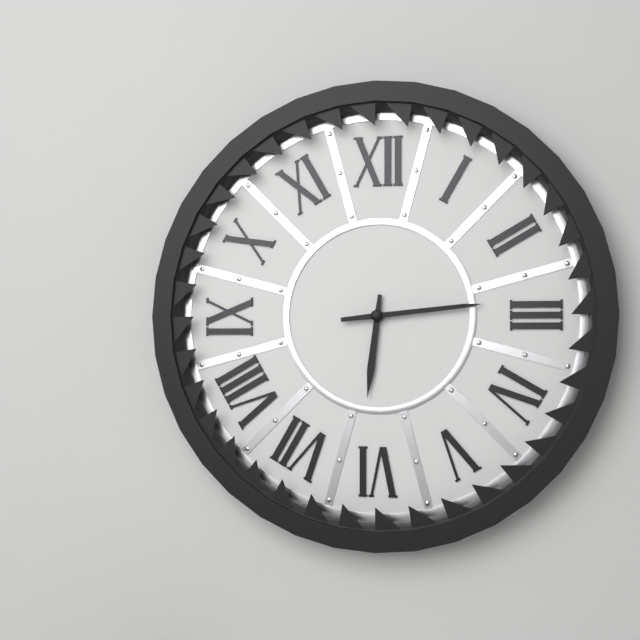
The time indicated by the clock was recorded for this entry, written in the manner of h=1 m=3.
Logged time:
h=6 m=14
